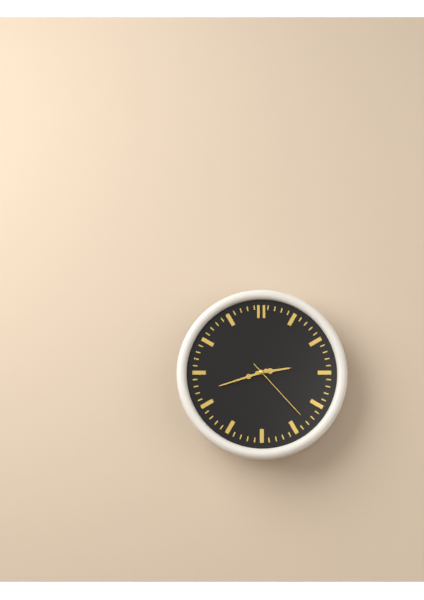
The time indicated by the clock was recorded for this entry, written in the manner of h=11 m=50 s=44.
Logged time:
h=2 m=42 s=23
